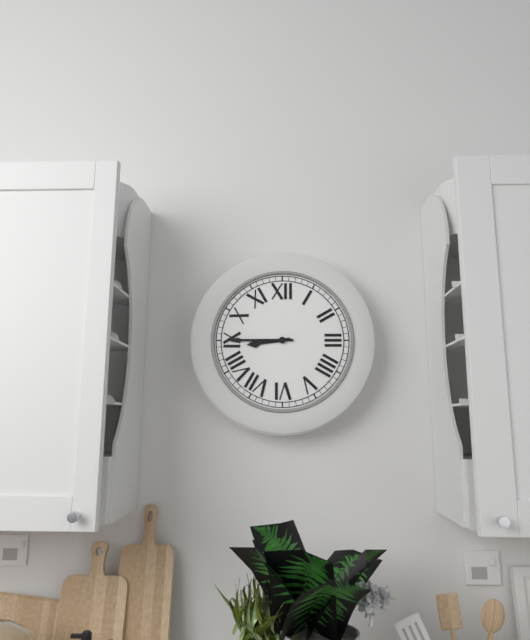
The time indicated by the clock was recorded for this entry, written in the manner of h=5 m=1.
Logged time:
h=8 m=45
